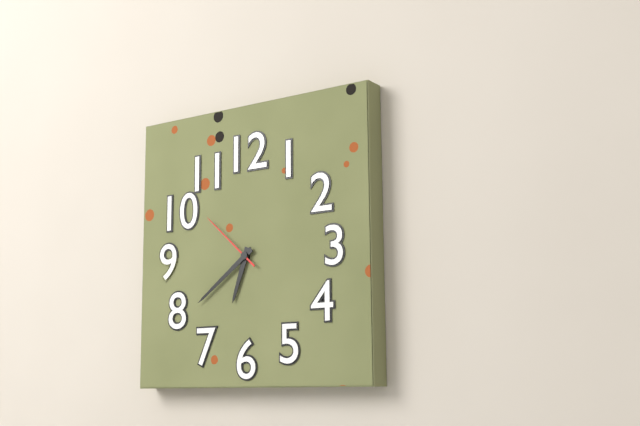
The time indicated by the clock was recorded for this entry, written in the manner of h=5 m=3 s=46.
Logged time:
h=6 m=39 s=52
